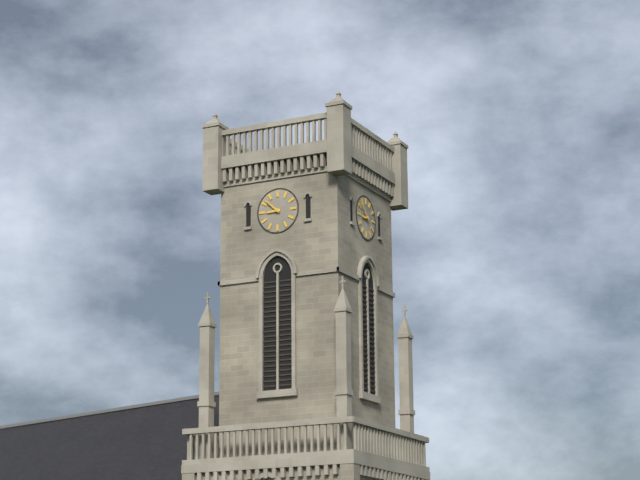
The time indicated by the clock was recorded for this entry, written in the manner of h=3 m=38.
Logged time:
h=8 m=52
